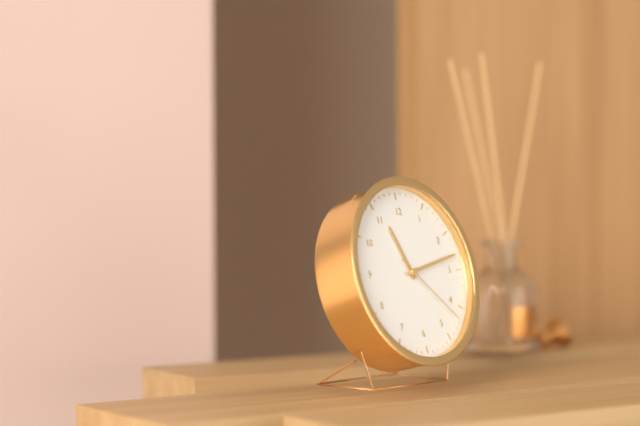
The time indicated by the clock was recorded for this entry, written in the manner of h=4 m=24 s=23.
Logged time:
h=11 m=13 s=22
